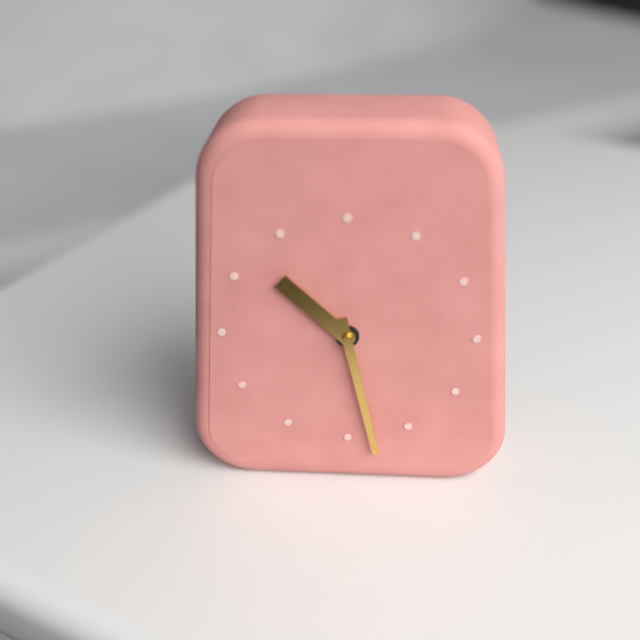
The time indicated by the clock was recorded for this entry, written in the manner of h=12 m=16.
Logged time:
h=10 m=28
